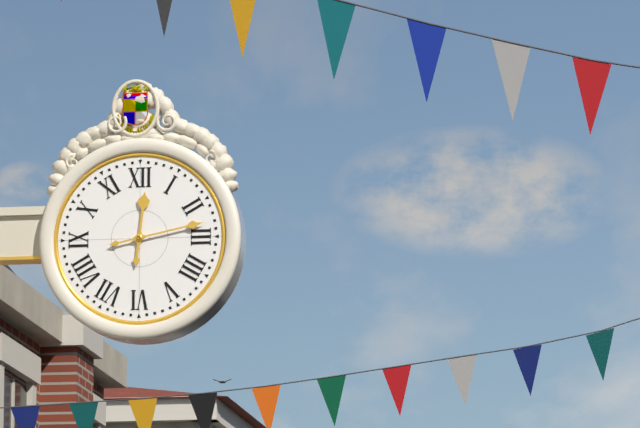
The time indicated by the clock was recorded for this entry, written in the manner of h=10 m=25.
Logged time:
h=12 m=13
